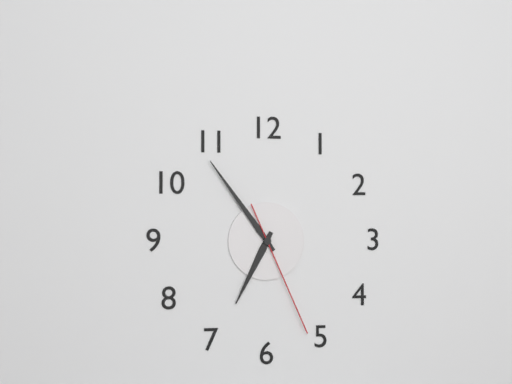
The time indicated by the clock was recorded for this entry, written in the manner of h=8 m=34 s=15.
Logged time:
h=6 m=54 s=26
